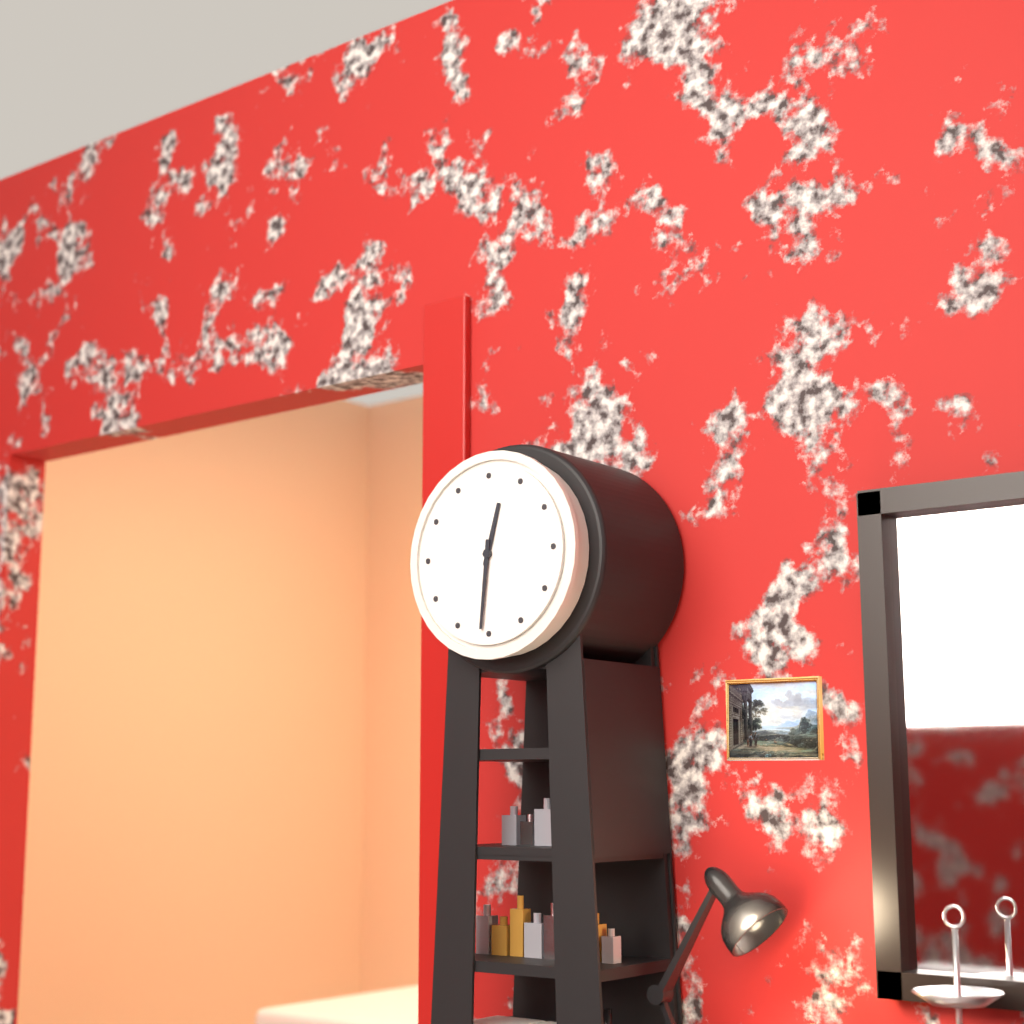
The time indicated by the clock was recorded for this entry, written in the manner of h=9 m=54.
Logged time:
h=12 m=31
